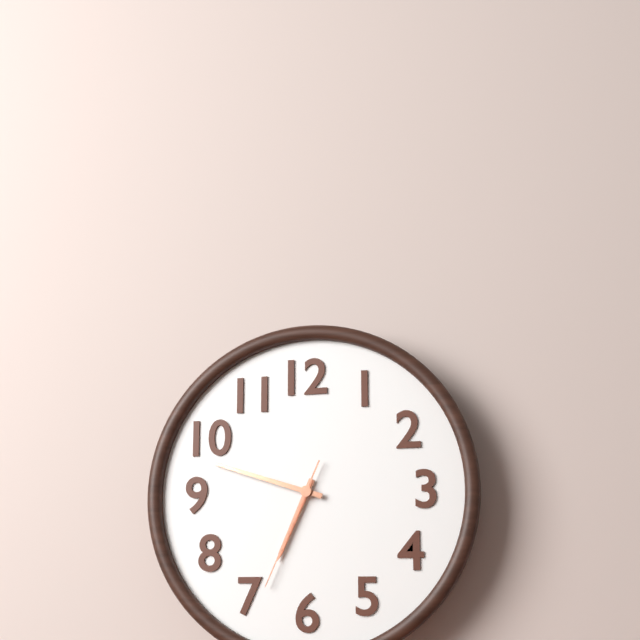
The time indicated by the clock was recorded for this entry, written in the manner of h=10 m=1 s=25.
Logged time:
h=6 m=48 s=34
